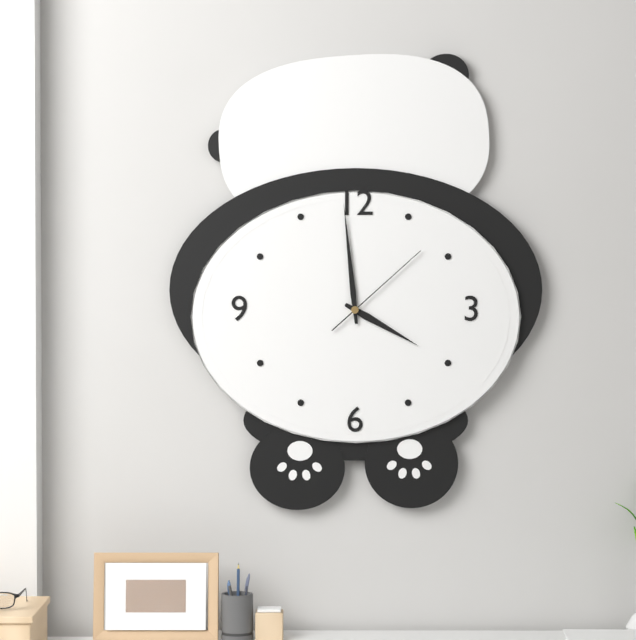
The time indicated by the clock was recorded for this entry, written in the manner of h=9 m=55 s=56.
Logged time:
h=3 m=59 s=8
